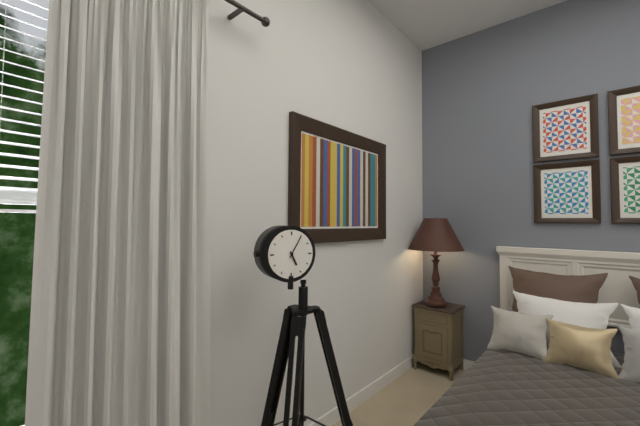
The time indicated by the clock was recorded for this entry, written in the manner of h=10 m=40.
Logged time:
h=5 m=5
